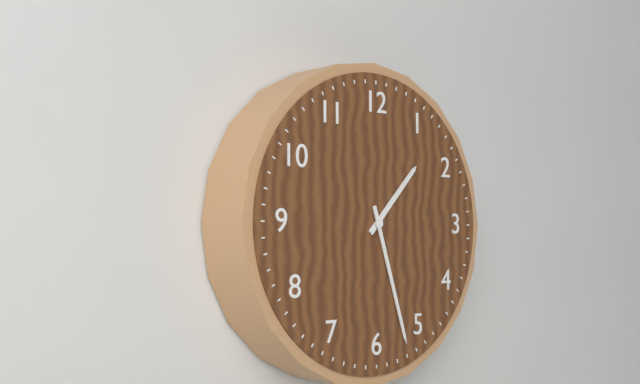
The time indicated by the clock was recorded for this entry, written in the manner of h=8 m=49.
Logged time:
h=1 m=27
